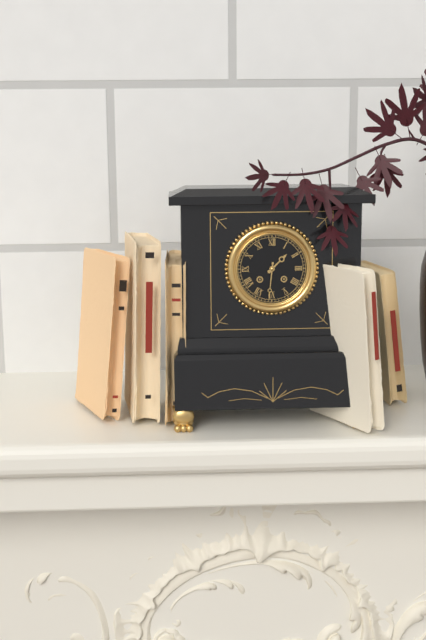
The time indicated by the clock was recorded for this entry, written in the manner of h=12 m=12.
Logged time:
h=1 m=31
